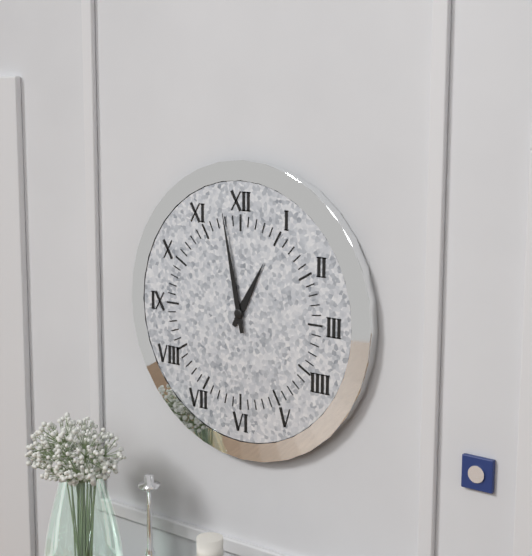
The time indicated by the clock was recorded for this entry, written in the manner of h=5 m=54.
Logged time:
h=12 m=58
